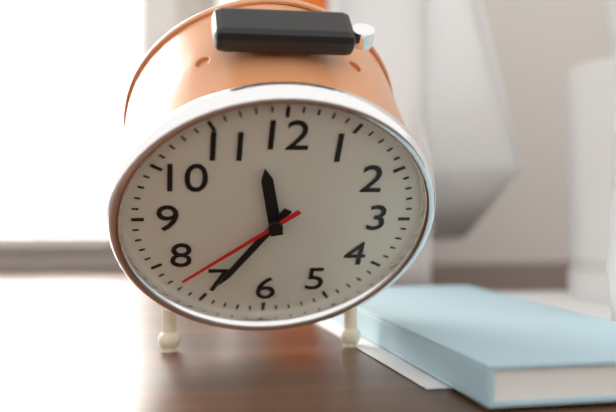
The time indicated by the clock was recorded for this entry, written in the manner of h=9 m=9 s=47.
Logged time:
h=11 m=35 s=38
